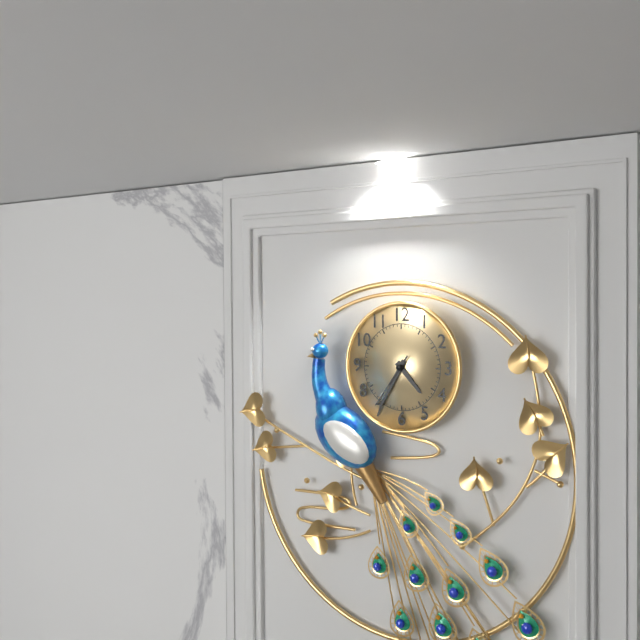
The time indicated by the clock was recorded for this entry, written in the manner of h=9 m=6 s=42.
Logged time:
h=4 m=35 s=36
